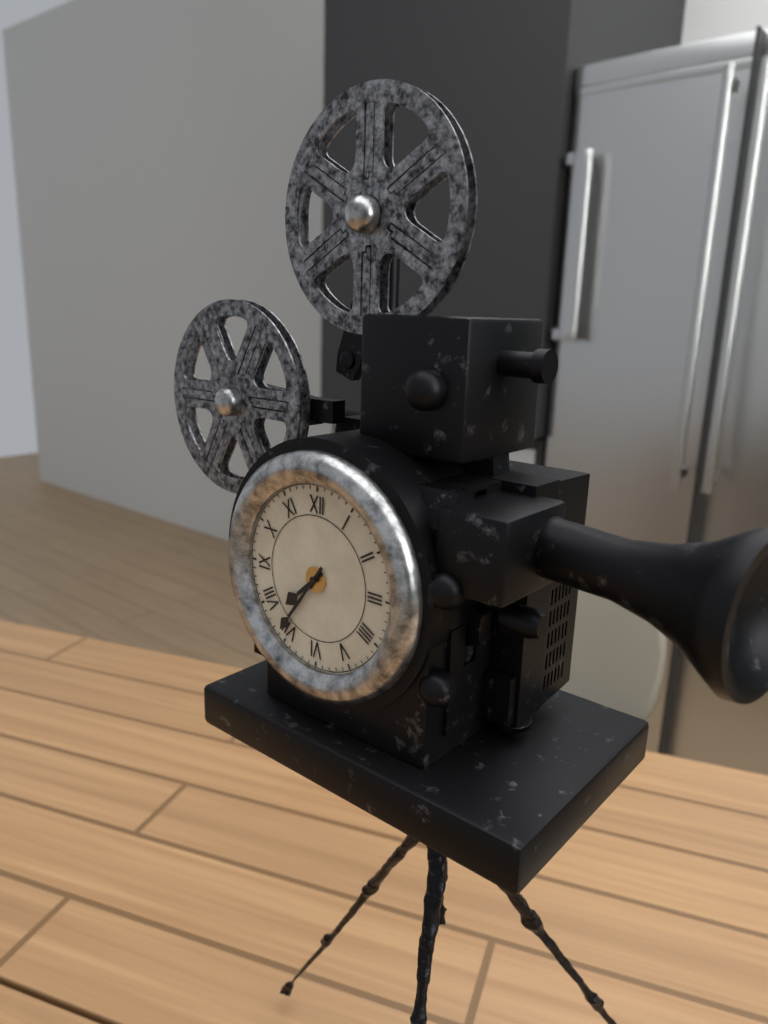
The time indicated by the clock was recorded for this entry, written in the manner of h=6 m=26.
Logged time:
h=7 m=36
